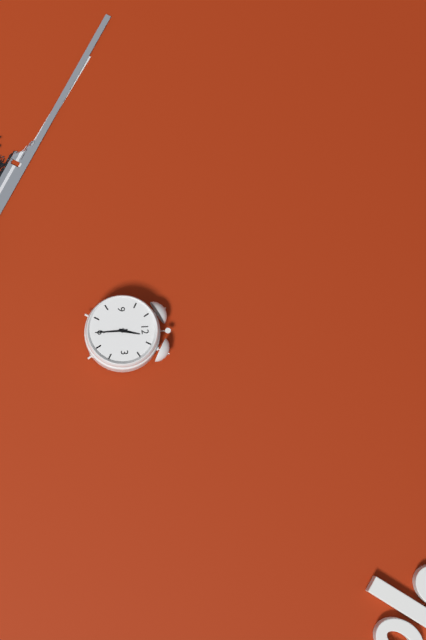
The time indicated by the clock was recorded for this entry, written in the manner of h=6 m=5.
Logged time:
h=12 m=30
